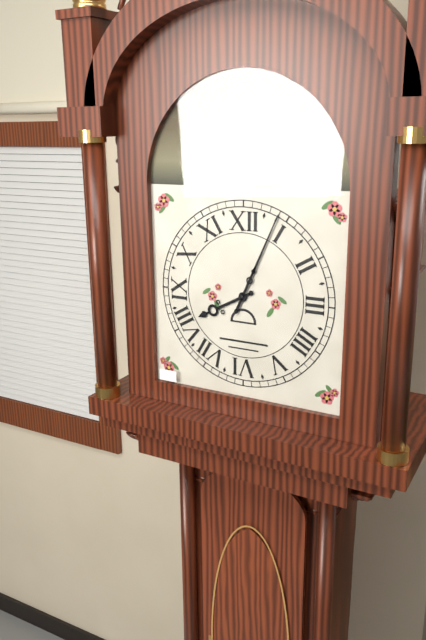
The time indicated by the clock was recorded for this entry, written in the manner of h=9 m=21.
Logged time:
h=8 m=4
